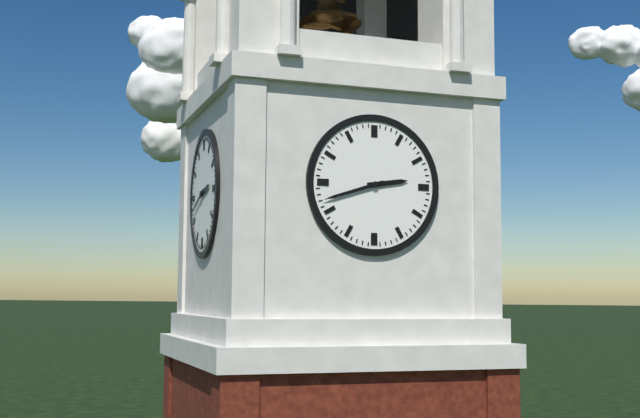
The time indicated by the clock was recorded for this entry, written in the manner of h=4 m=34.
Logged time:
h=2 m=42
